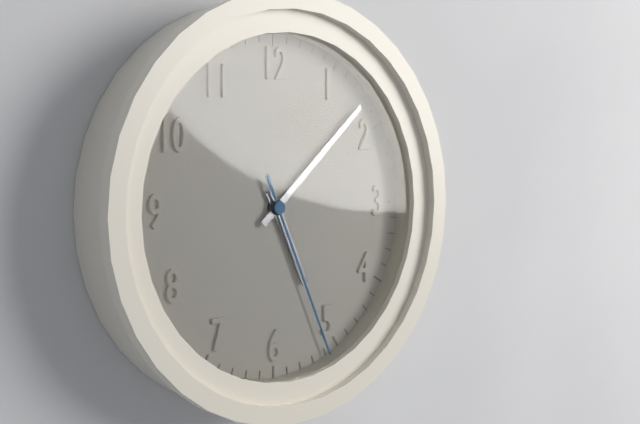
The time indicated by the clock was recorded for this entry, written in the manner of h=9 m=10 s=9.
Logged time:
h=5 m=8 s=26
